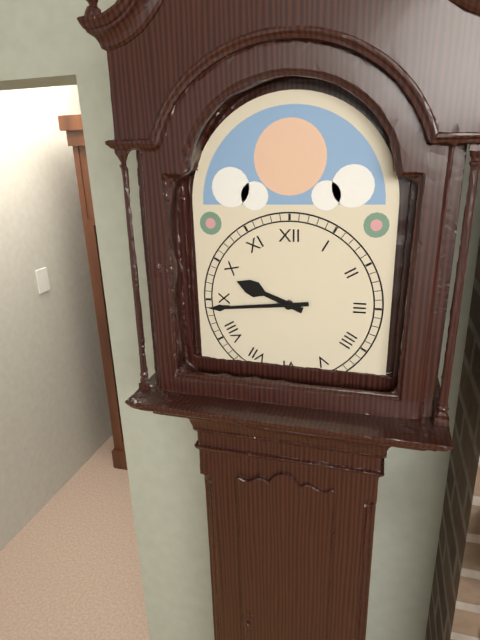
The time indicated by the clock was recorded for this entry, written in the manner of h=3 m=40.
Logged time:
h=9 m=44
